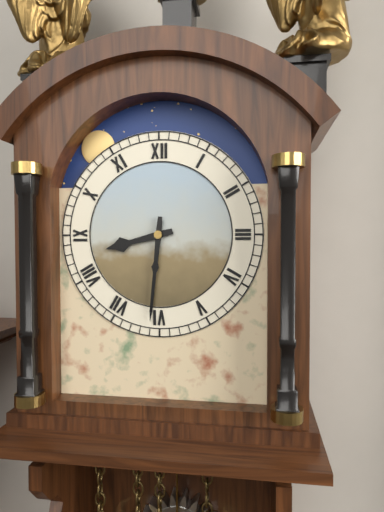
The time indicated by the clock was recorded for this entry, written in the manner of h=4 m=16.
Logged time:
h=8 m=31
